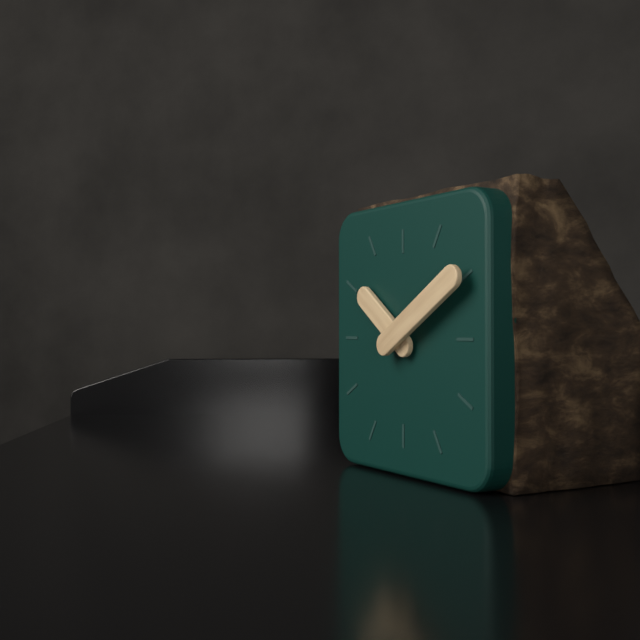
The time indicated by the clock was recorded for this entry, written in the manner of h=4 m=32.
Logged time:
h=10 m=10
